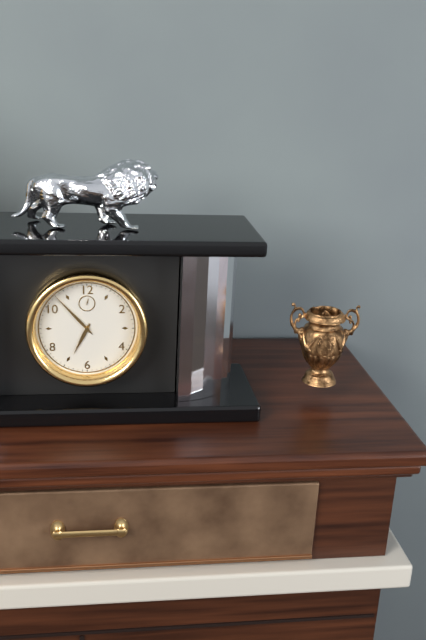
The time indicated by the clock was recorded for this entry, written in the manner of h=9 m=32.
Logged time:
h=6 m=53
